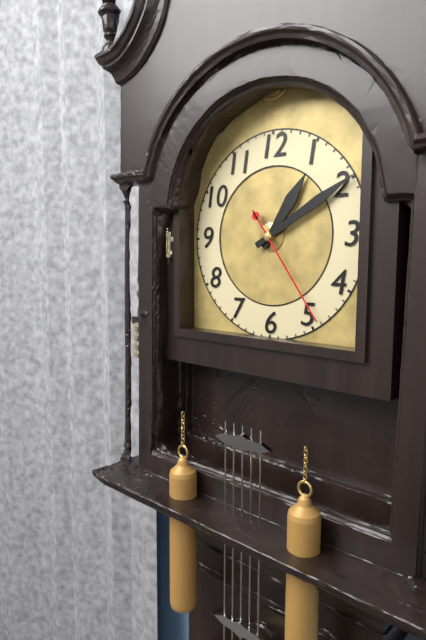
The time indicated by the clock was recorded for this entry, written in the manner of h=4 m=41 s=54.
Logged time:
h=1 m=10 s=24
